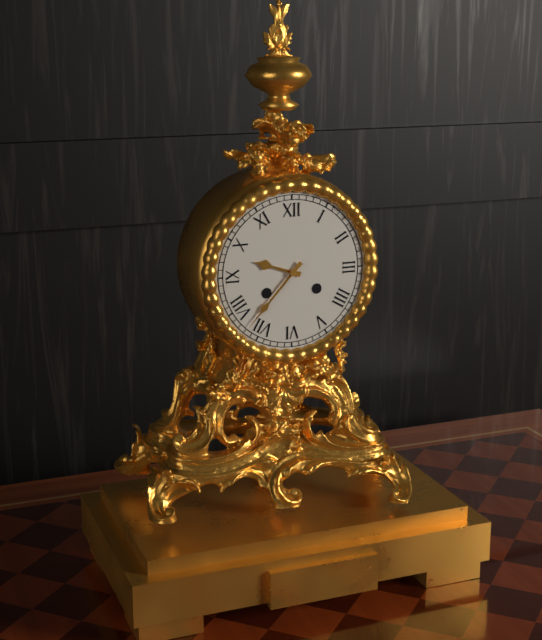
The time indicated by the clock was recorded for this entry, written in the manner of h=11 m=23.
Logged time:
h=9 m=37
